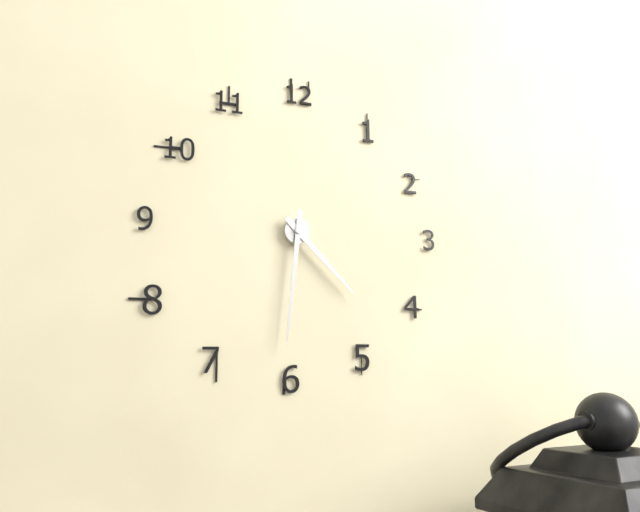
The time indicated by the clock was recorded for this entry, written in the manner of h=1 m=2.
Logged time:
h=4 m=31
